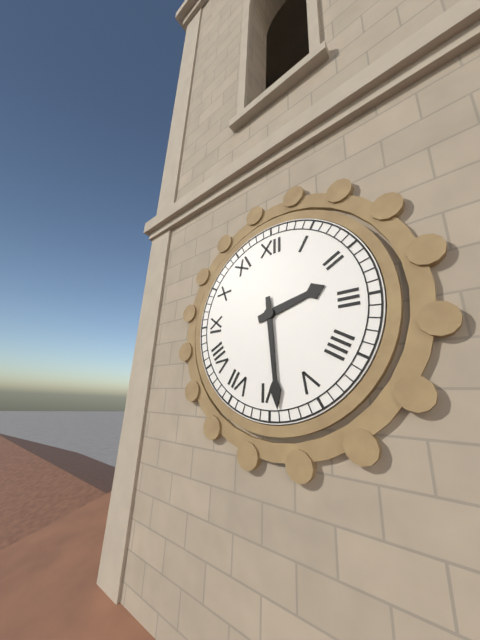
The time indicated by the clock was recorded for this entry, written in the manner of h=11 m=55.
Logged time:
h=2 m=29
